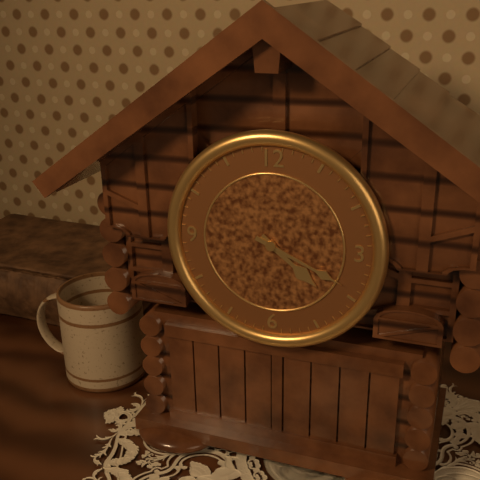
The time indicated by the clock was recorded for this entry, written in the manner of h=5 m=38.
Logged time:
h=4 m=19
